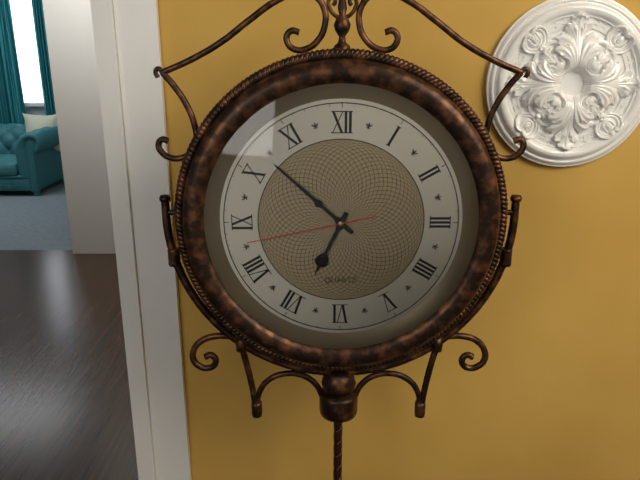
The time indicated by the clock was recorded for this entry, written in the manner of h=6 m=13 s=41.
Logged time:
h=6 m=52 s=43
